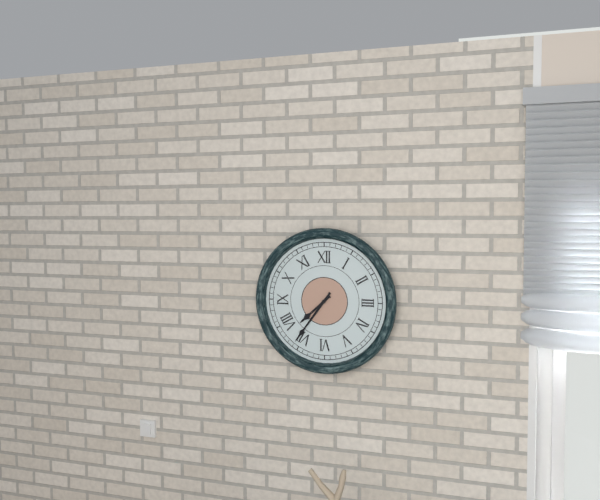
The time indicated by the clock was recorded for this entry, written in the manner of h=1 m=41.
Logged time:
h=7 m=36
